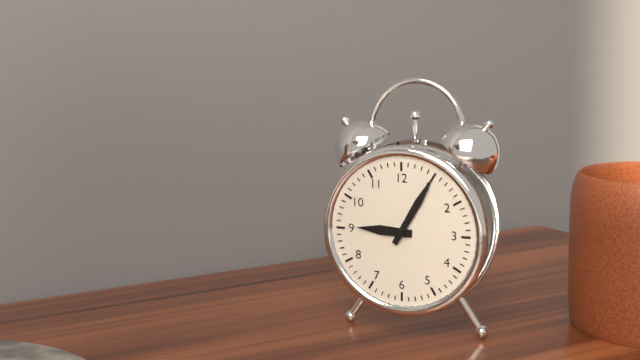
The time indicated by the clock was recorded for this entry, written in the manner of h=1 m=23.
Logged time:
h=9 m=5
